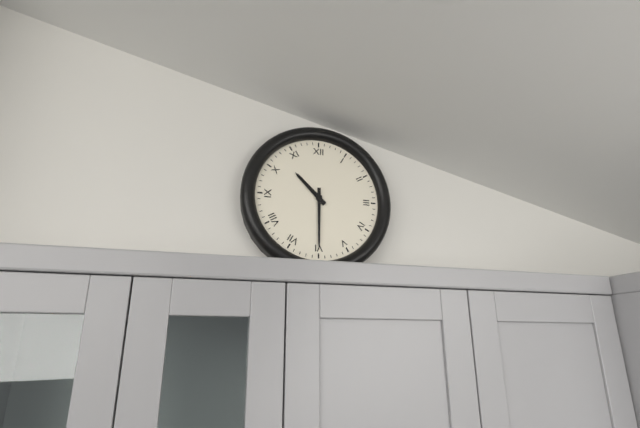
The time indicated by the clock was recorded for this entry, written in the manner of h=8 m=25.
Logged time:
h=10 m=30
